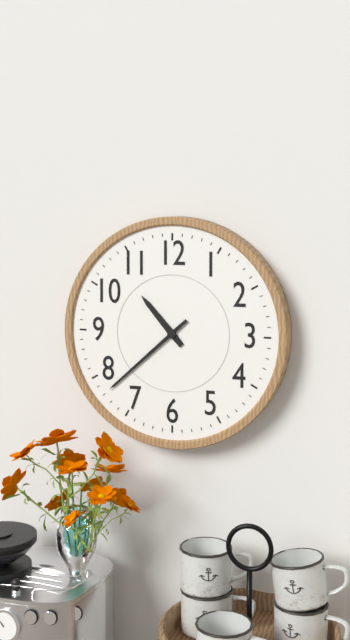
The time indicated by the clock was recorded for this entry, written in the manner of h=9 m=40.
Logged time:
h=10 m=38
